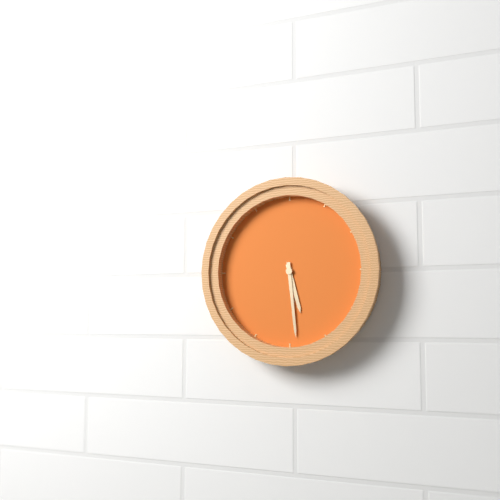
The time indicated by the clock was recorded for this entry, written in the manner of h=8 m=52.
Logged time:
h=5 m=29
